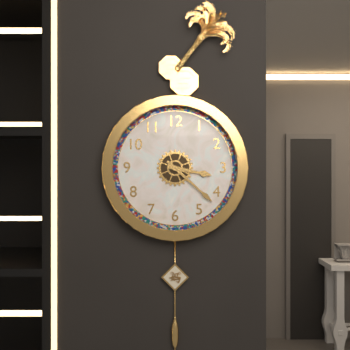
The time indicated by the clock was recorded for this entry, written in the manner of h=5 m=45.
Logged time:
h=3 m=22
